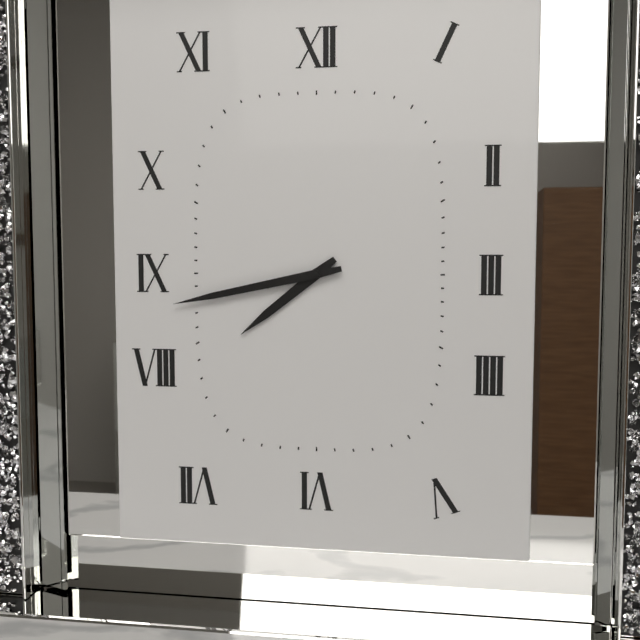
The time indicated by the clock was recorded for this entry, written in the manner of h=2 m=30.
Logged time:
h=7 m=43
